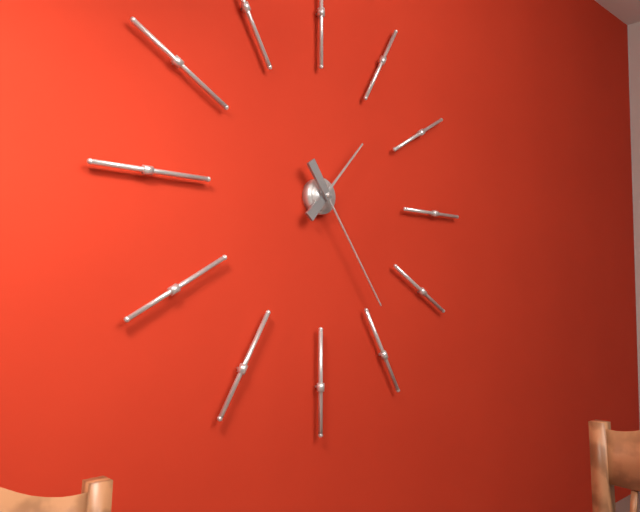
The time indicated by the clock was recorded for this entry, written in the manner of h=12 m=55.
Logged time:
h=1 m=24
